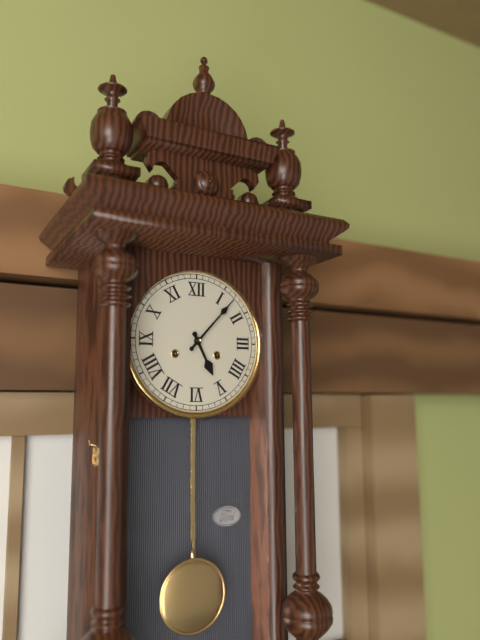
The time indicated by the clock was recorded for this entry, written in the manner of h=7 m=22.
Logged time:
h=5 m=7
